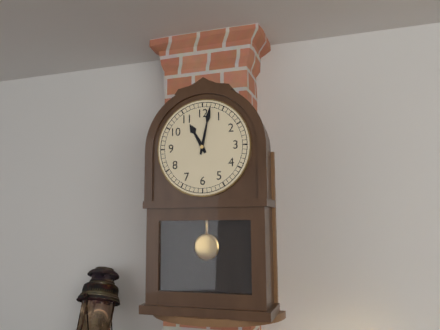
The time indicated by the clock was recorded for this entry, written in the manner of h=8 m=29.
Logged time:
h=11 m=2
